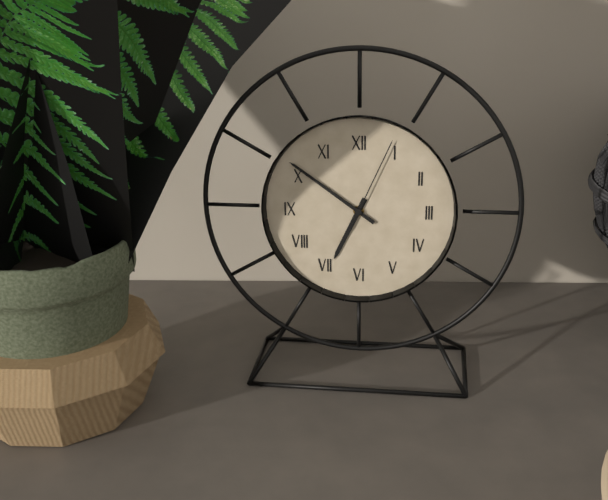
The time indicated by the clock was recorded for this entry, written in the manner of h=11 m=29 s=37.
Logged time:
h=6 m=51 s=4
